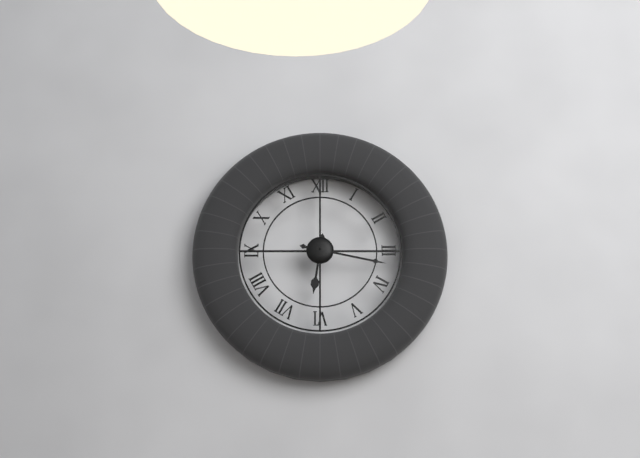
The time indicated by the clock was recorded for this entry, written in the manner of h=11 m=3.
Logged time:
h=6 m=17
